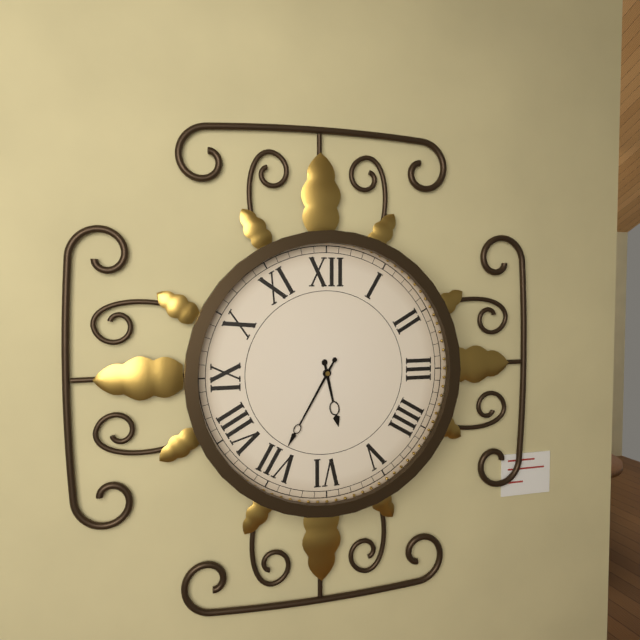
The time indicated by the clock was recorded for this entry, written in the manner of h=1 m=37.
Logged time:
h=5 m=35
